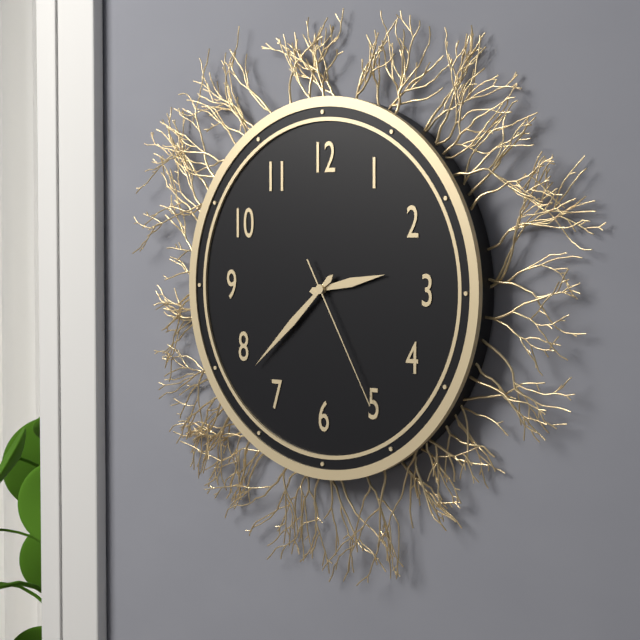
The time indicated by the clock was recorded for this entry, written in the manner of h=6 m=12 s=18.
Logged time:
h=2 m=38 s=25
